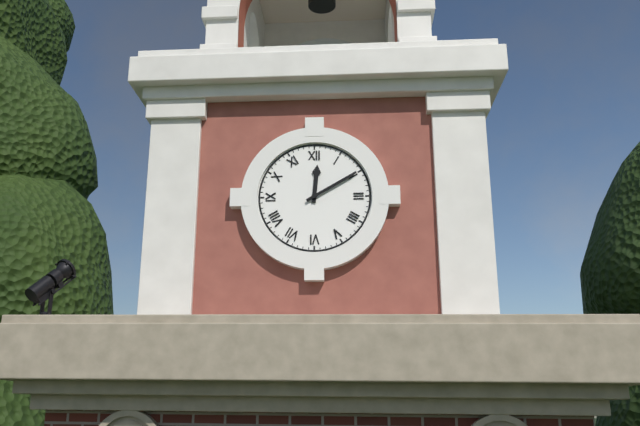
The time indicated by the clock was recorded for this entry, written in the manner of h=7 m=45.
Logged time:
h=12 m=10
